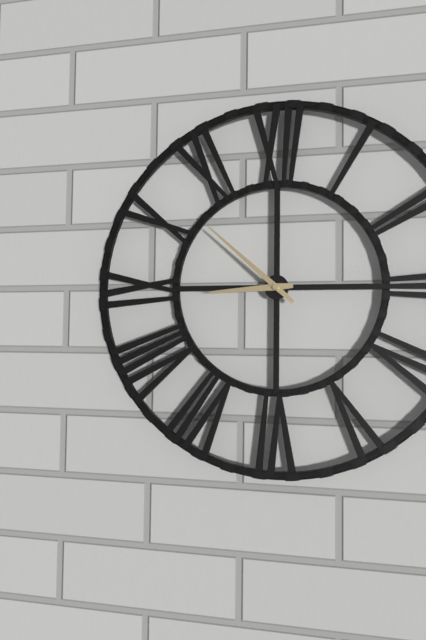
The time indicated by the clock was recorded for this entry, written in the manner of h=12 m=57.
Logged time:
h=8 m=52
